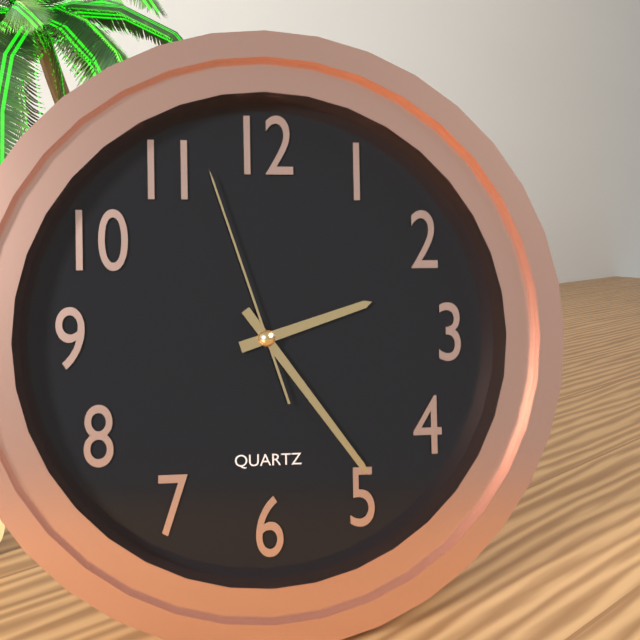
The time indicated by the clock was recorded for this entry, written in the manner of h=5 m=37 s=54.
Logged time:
h=2 m=24 s=57
